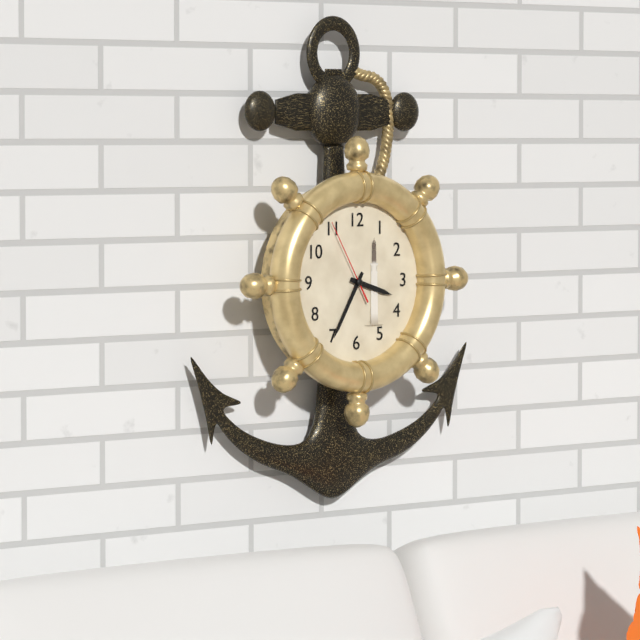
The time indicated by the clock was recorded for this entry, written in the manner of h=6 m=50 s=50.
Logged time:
h=3 m=35 s=55
